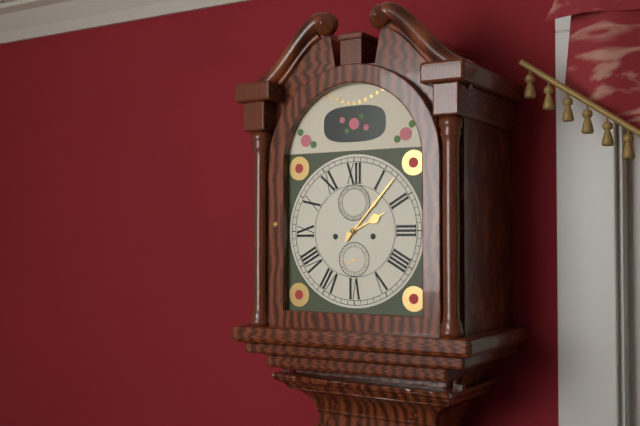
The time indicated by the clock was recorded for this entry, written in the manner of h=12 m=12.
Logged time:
h=2 m=7
